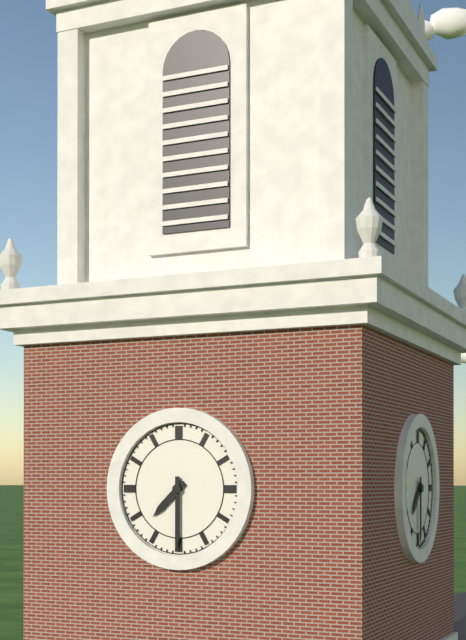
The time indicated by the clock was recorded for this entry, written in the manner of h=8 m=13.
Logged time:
h=7 m=30
